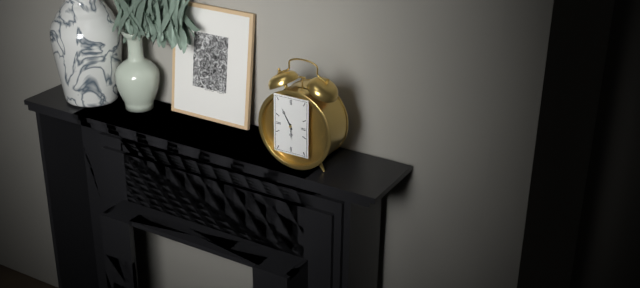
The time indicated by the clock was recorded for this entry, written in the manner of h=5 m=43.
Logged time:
h=5 m=55
